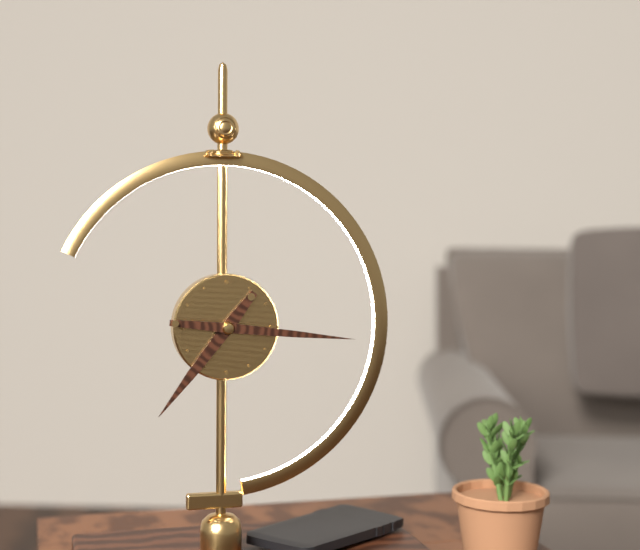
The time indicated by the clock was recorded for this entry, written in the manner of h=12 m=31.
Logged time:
h=7 m=16
